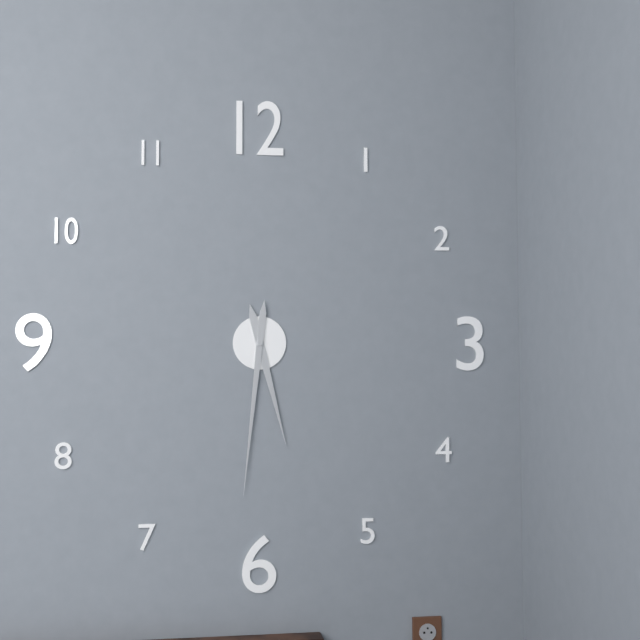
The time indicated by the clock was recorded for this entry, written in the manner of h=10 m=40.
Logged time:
h=5 m=31
